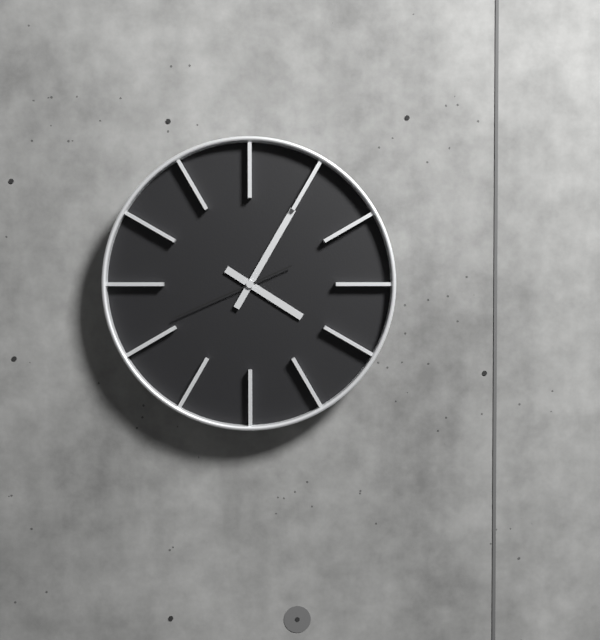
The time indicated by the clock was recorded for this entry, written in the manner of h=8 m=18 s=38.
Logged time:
h=4 m=5 s=41
